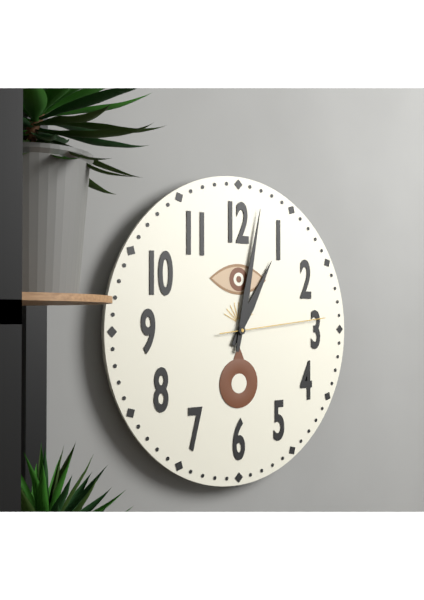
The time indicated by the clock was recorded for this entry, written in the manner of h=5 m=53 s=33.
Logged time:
h=1 m=2 s=14
